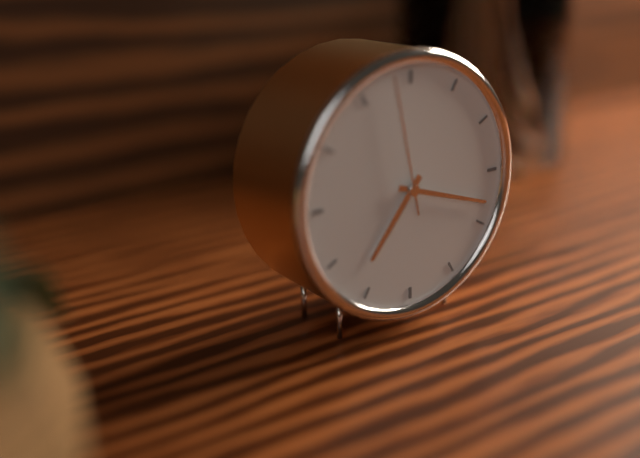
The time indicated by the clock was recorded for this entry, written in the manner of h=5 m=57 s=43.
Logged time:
h=7 m=18 s=58
